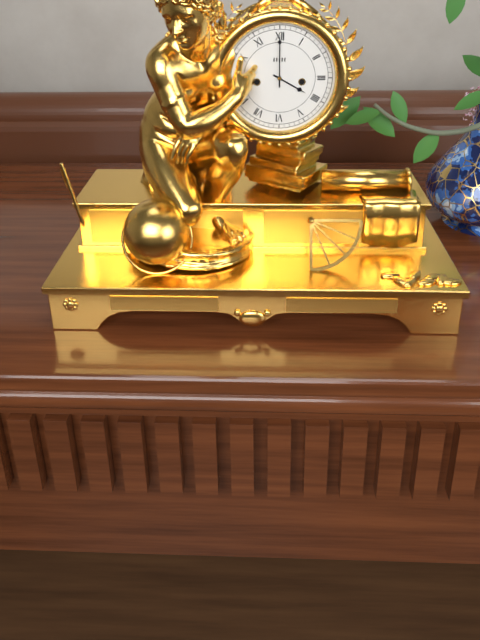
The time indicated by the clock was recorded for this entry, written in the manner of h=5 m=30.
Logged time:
h=4 m=0
